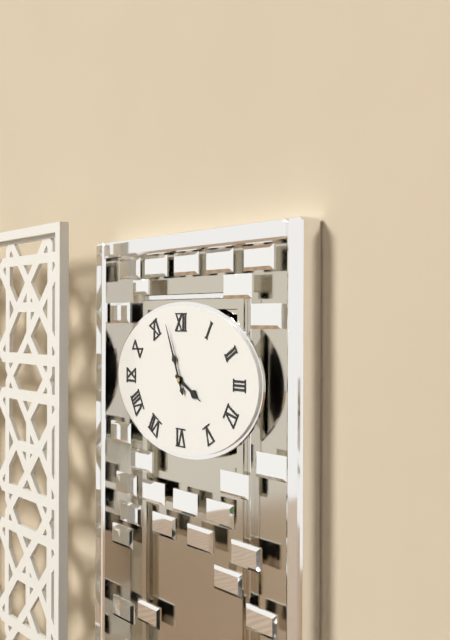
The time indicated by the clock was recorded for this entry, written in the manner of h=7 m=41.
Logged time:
h=3 m=56
